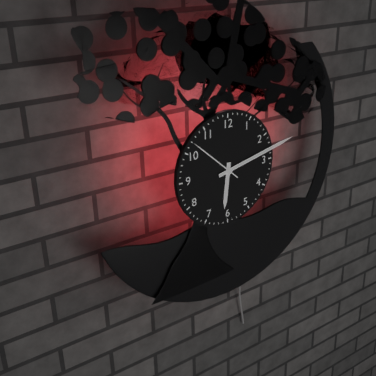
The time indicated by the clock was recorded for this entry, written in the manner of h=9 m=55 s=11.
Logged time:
h=6 m=13 s=52
